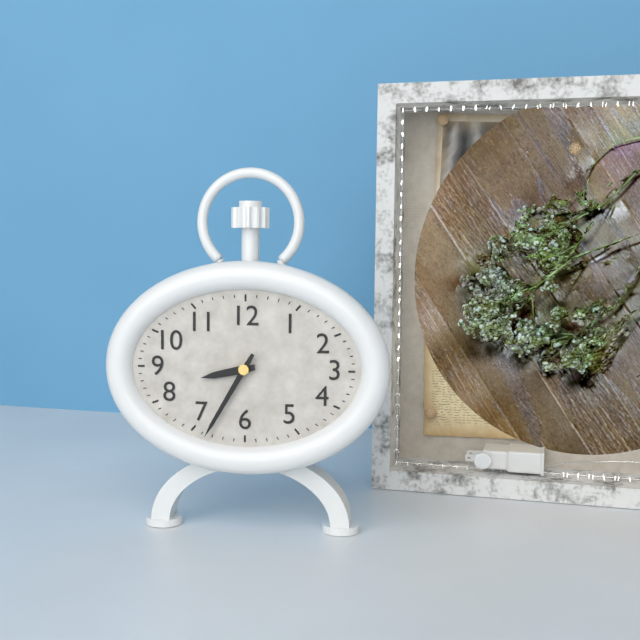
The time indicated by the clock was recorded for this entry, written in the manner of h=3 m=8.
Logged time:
h=8 m=35
